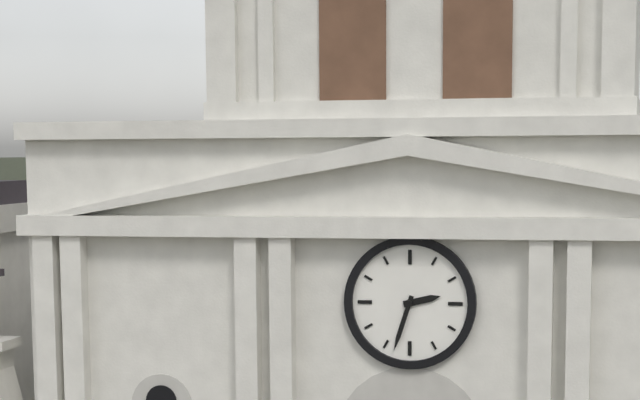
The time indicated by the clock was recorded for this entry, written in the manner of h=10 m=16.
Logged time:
h=2 m=33
